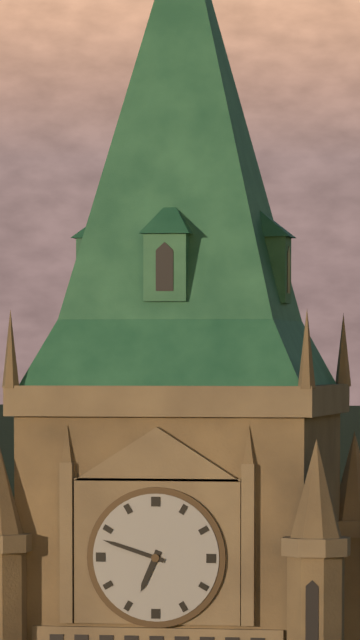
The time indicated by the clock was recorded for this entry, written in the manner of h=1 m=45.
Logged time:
h=6 m=48
